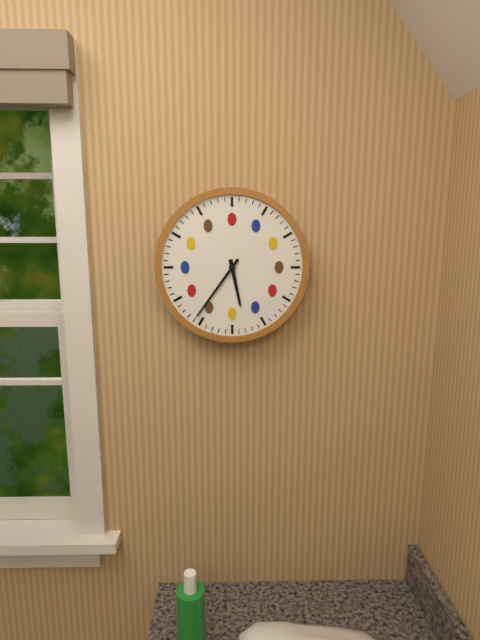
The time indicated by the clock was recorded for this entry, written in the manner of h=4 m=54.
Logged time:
h=5 m=36
